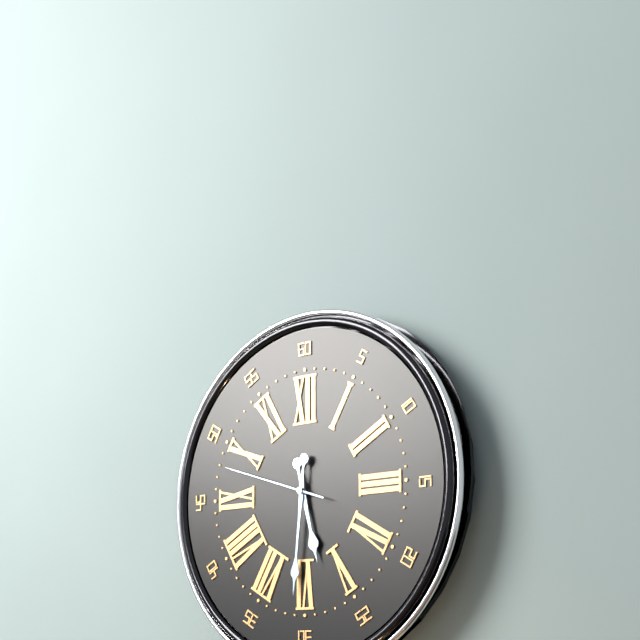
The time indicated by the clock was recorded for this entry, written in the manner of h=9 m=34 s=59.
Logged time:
h=5 m=31 s=48
